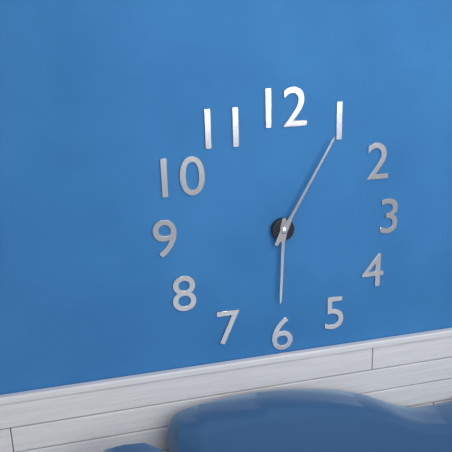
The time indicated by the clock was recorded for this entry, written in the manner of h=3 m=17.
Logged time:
h=6 m=5
